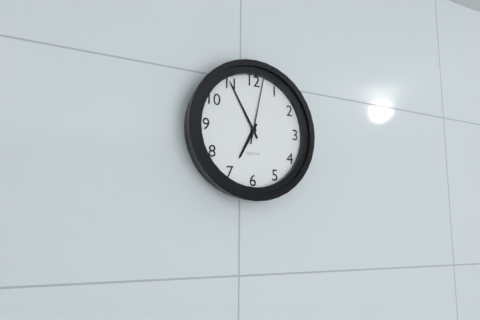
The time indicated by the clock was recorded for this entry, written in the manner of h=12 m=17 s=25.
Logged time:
h=6 m=55 s=2
